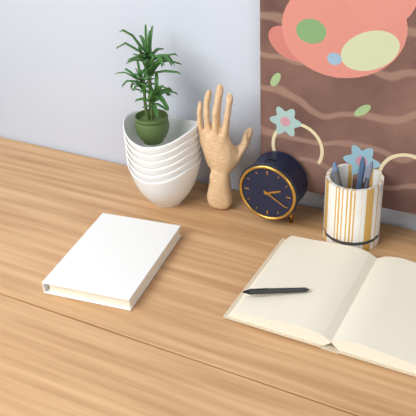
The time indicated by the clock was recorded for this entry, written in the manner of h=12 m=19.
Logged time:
h=2 m=20
